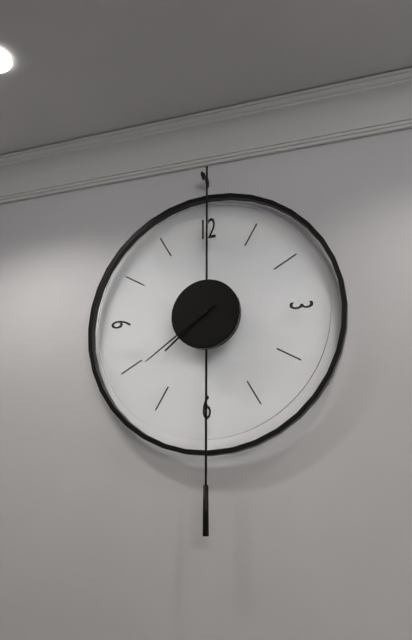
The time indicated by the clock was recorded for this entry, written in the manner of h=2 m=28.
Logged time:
h=7 m=39
